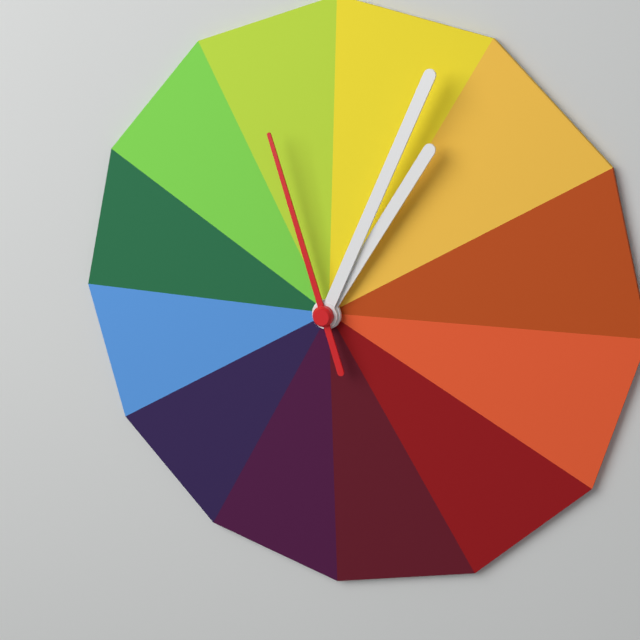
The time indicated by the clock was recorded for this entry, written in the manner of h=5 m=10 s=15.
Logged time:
h=1 m=4 s=57
